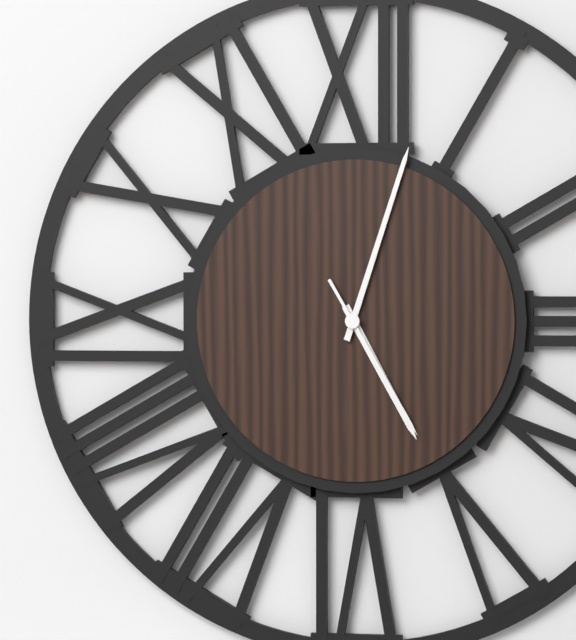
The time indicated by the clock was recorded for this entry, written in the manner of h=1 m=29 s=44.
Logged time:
h=5 m=3 s=25
